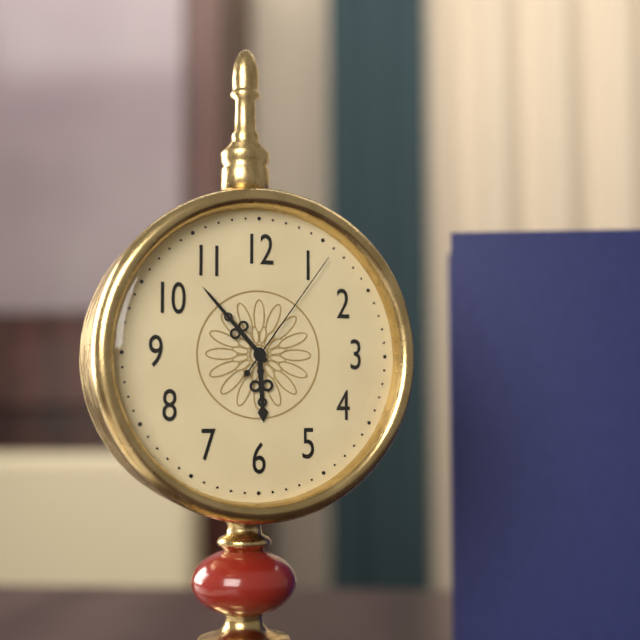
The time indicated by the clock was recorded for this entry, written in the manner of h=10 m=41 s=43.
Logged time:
h=5 m=53 s=6
